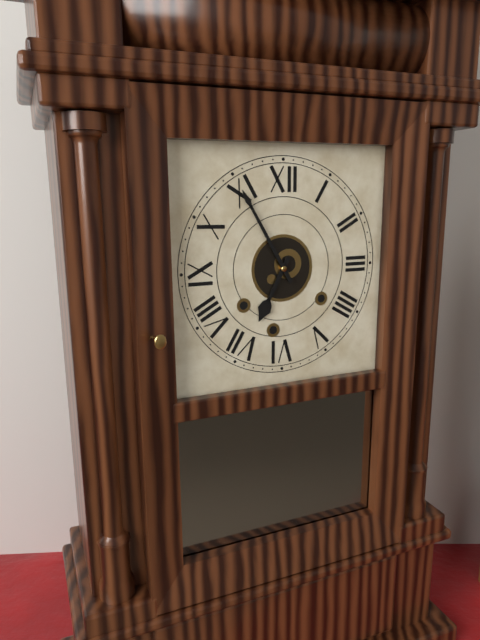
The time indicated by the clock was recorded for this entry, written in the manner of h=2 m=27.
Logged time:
h=6 m=55
